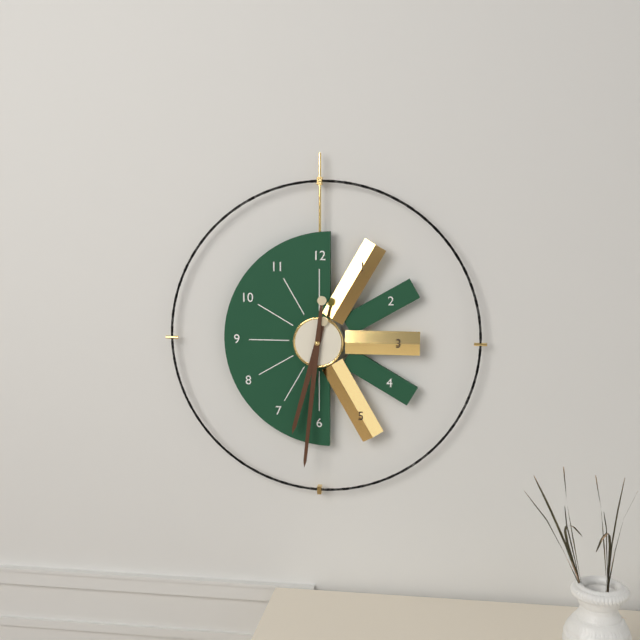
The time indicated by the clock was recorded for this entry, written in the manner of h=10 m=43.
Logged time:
h=6 m=31
